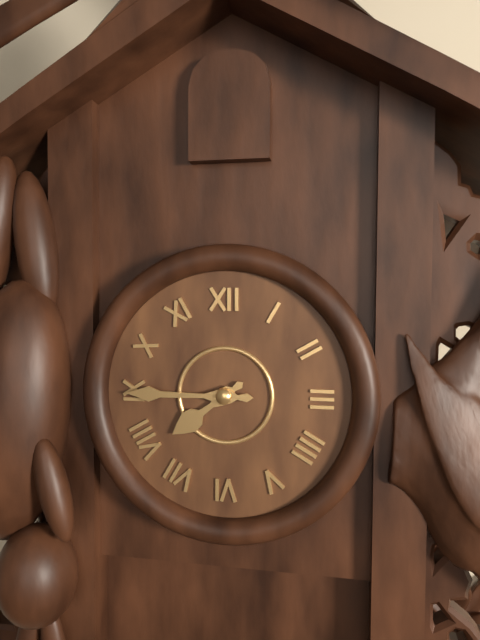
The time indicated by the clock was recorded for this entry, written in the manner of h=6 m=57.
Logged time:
h=7 m=45
